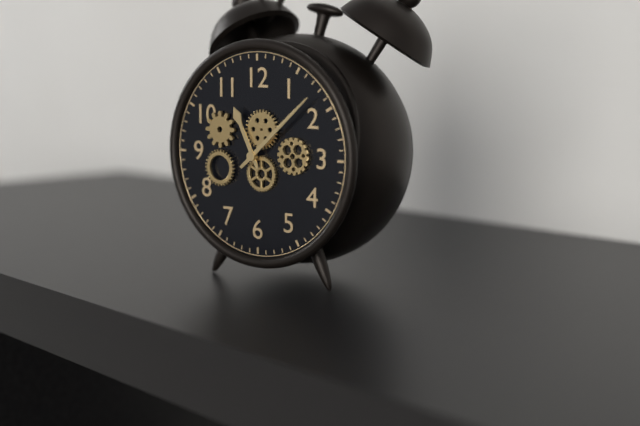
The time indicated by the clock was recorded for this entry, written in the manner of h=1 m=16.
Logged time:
h=11 m=8
